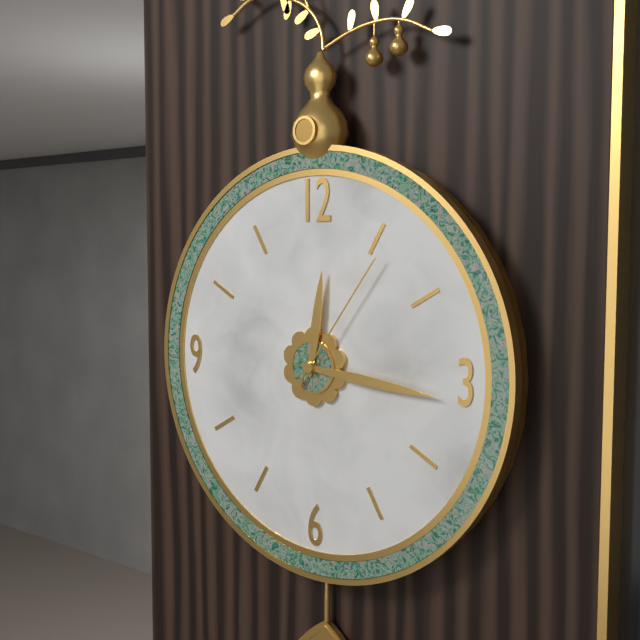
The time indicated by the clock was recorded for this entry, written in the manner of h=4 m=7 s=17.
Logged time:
h=12 m=16 s=6
